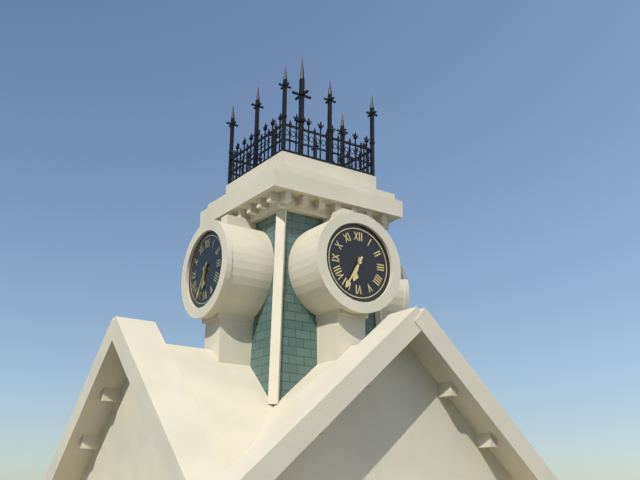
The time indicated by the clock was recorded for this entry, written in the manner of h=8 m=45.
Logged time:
h=6 m=35
